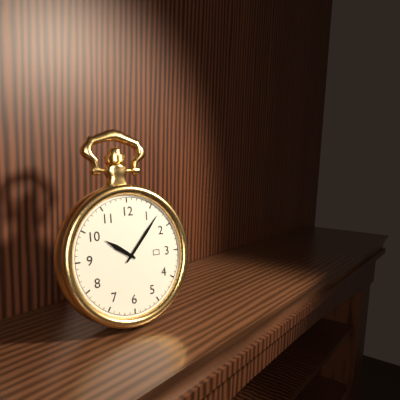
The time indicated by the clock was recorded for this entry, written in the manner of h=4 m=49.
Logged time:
h=10 m=7
